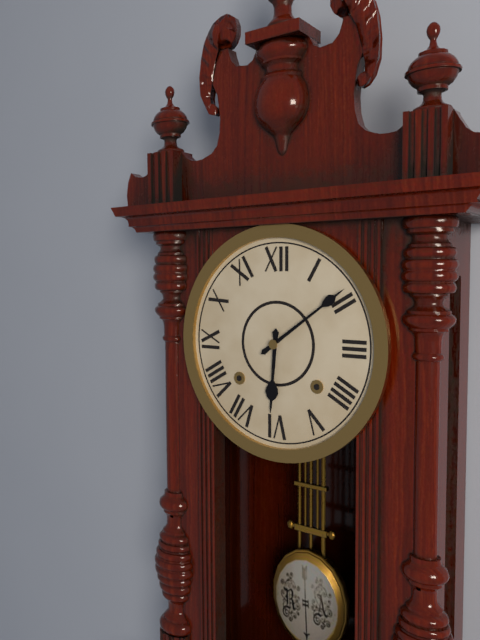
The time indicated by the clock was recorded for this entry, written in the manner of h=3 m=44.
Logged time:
h=6 m=9
